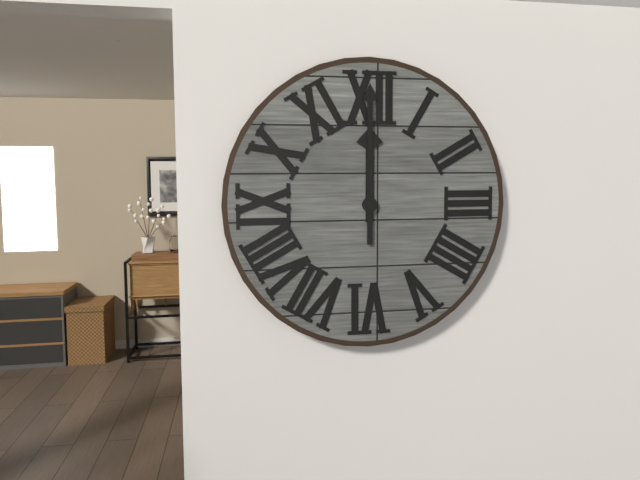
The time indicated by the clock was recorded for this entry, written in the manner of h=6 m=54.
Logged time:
h=12 m=0
